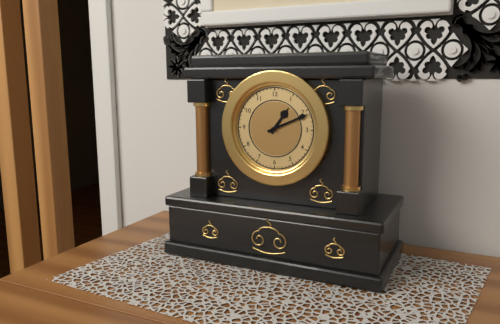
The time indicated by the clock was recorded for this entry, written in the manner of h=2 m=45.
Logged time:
h=1 m=11
